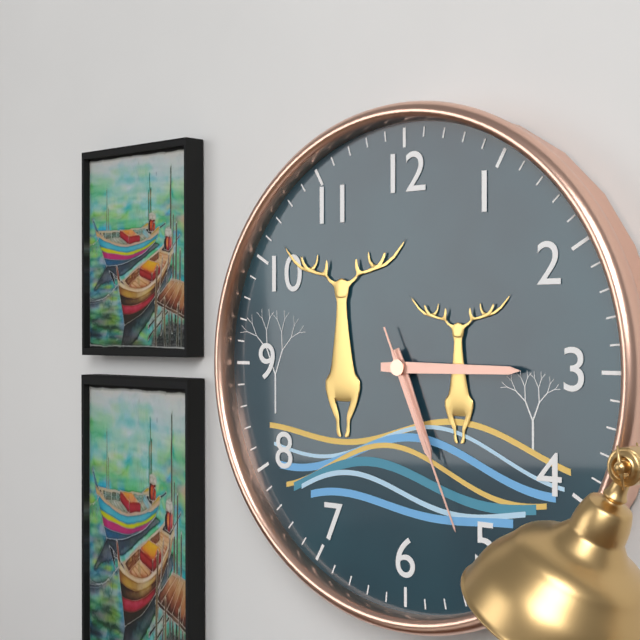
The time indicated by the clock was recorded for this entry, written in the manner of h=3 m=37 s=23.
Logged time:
h=5 m=15 s=26
